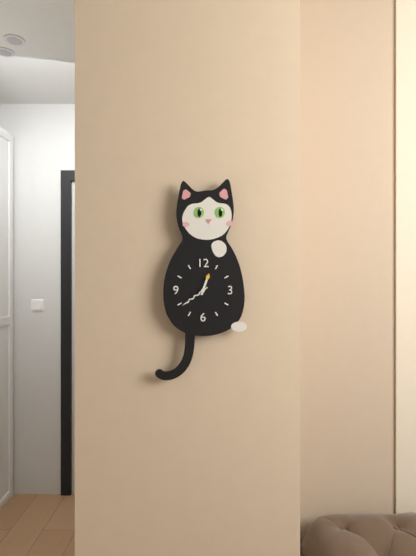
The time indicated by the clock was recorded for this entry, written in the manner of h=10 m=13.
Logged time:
h=12 m=39
